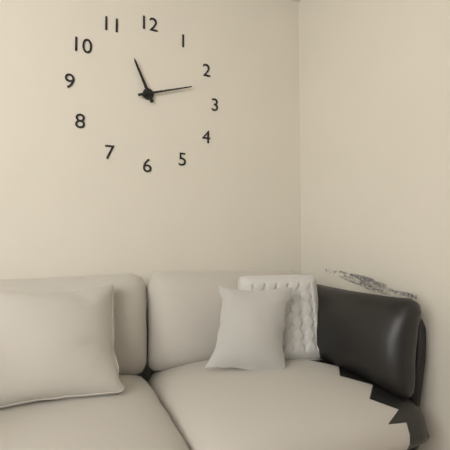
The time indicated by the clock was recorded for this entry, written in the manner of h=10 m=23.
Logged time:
h=11 m=12
